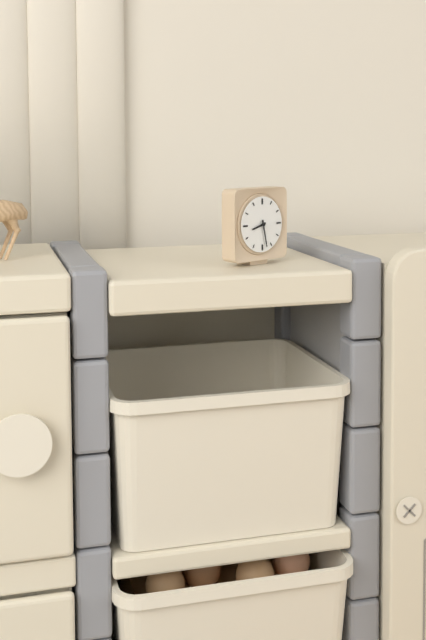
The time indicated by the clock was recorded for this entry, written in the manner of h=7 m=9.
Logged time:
h=8 m=28
